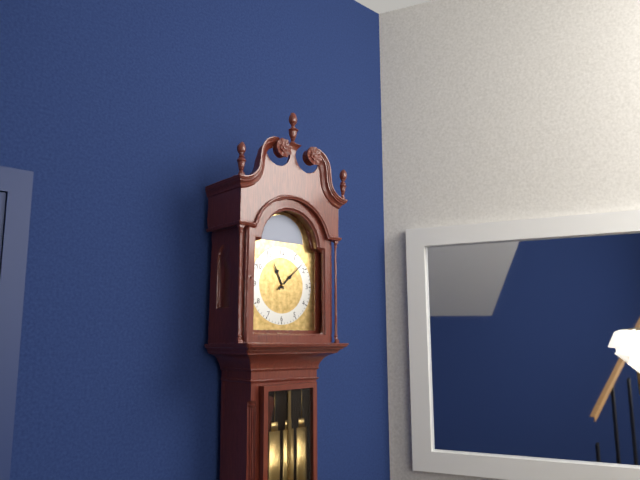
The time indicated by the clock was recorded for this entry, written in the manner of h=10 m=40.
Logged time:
h=11 m=8
